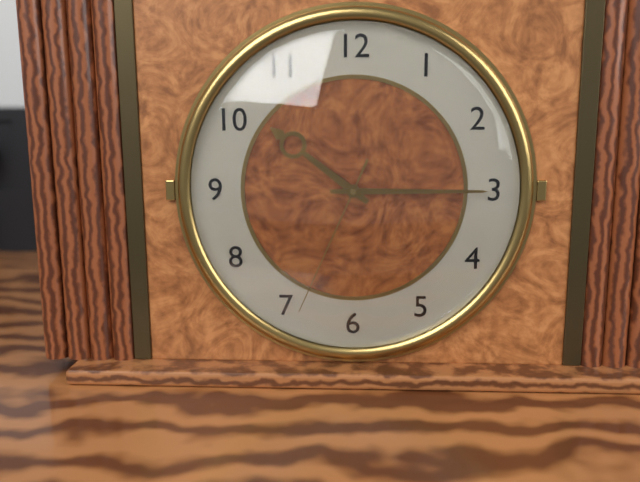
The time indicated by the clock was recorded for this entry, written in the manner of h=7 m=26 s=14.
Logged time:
h=10 m=15 s=34
